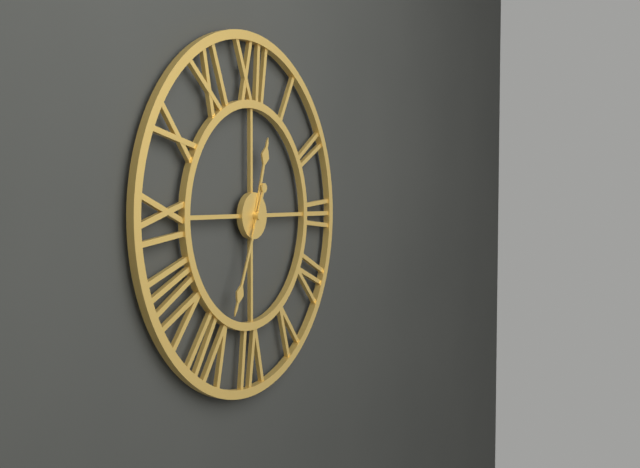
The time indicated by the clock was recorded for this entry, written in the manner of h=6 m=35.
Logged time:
h=12 m=34
